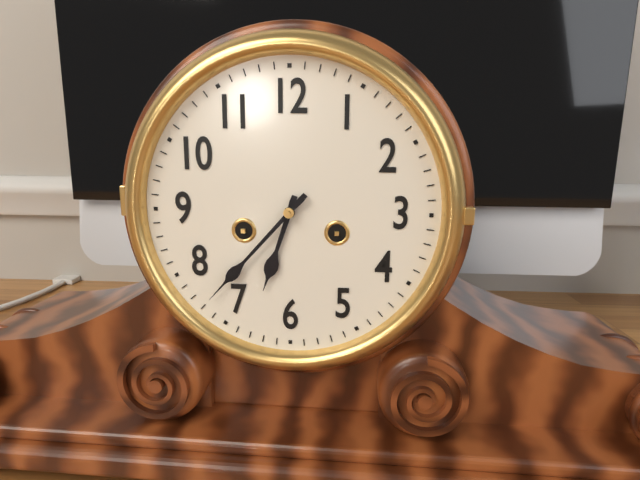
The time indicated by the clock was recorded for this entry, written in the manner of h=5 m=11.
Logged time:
h=6 m=37
